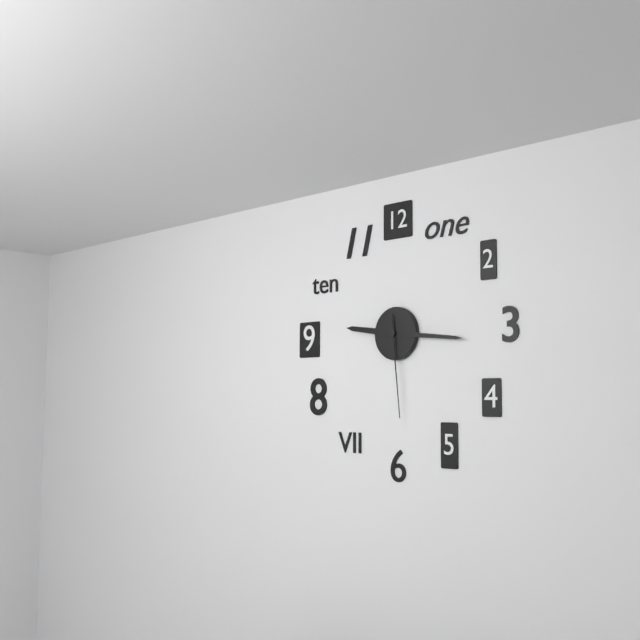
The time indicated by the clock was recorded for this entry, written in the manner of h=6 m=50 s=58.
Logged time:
h=9 m=16 s=29
